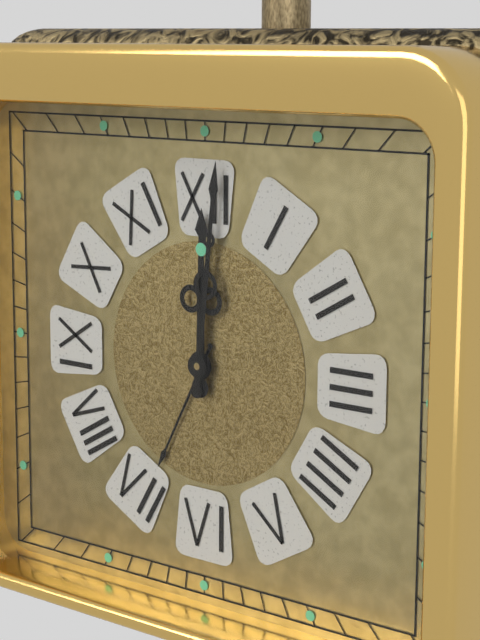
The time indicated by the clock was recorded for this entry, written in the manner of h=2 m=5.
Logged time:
h=12 m=1
